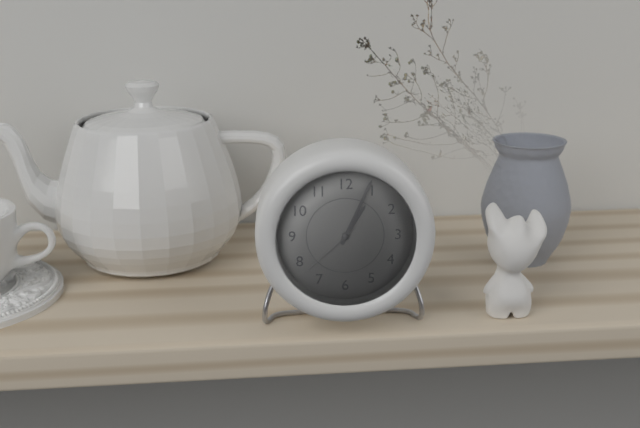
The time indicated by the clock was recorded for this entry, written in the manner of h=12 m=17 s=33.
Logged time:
h=1 m=4 s=38
